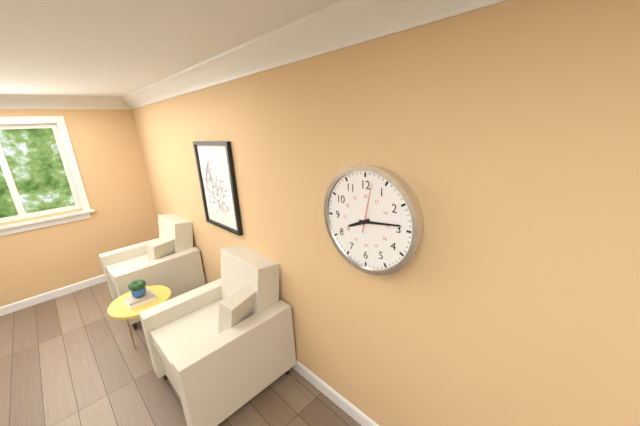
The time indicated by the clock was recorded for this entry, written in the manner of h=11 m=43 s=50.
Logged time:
h=8 m=14 s=2
